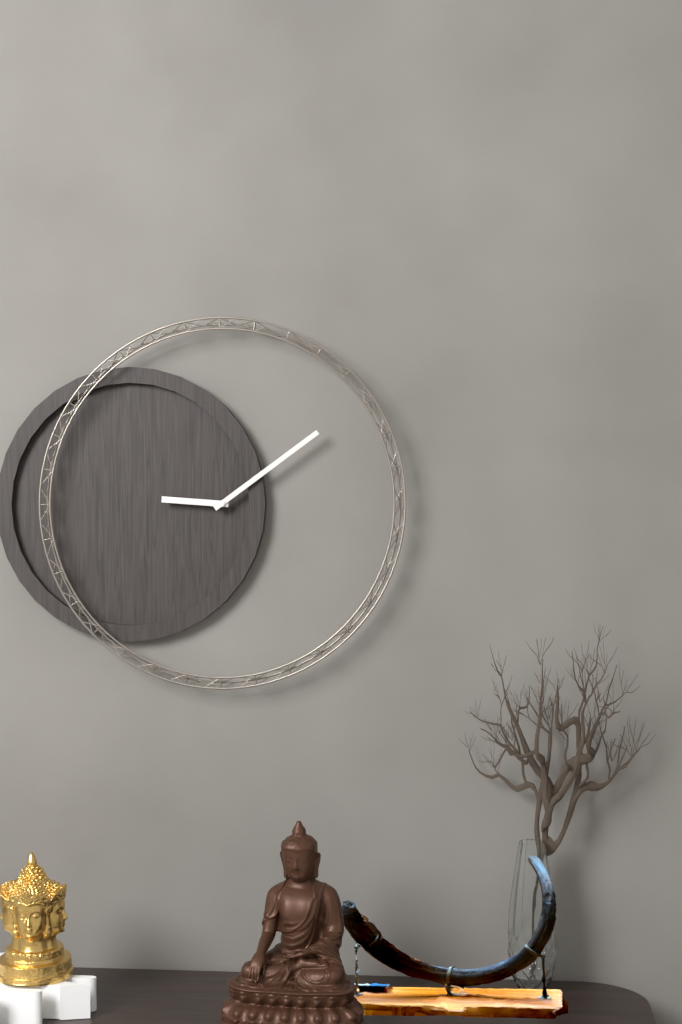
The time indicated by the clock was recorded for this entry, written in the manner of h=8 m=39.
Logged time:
h=9 m=9
